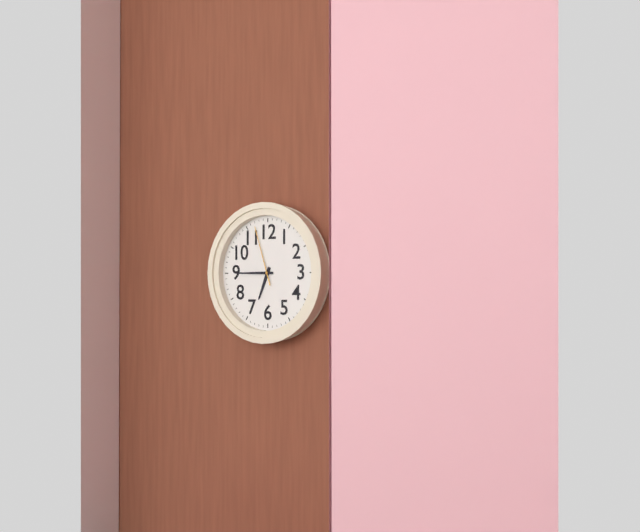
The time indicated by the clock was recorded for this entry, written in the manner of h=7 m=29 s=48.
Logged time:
h=6 m=45 s=57
